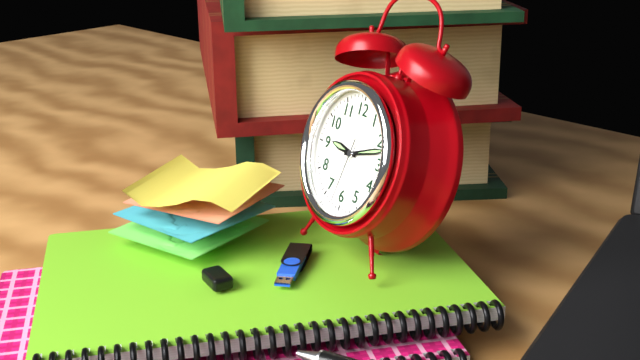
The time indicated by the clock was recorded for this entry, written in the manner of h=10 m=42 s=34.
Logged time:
h=9 m=12 s=32
